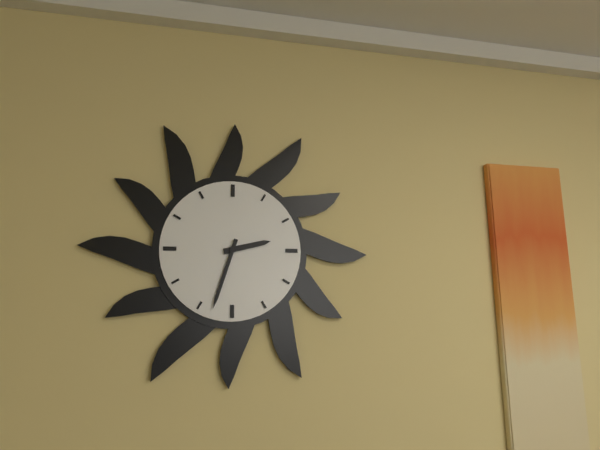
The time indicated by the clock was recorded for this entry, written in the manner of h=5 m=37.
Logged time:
h=2 m=33
